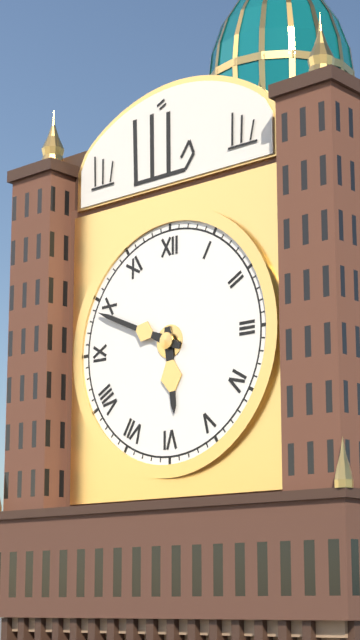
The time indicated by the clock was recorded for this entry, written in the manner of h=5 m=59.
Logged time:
h=5 m=49
